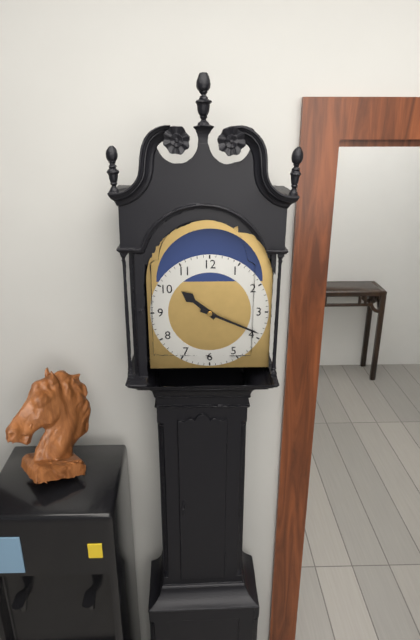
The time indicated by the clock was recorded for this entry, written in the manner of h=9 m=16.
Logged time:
h=10 m=19
